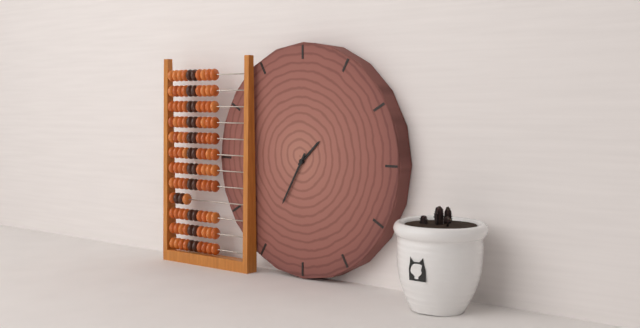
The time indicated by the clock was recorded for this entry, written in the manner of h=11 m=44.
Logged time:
h=1 m=35
